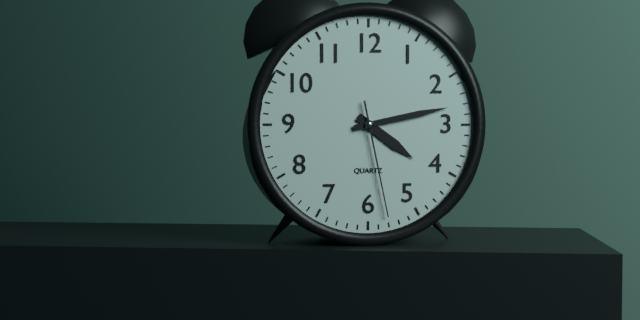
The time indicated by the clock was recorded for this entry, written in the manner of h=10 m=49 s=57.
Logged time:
h=4 m=13 s=28
